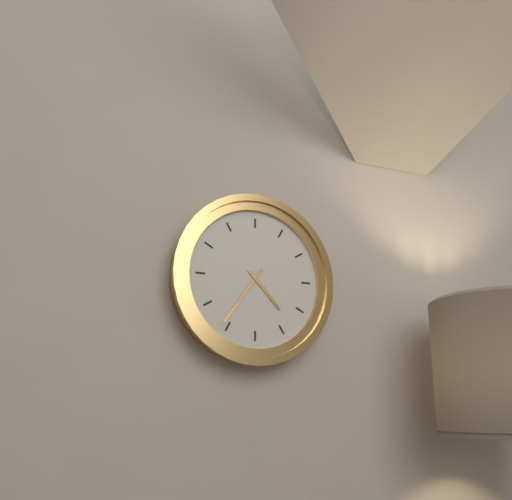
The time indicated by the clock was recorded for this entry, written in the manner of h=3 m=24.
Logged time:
h=4 m=36
